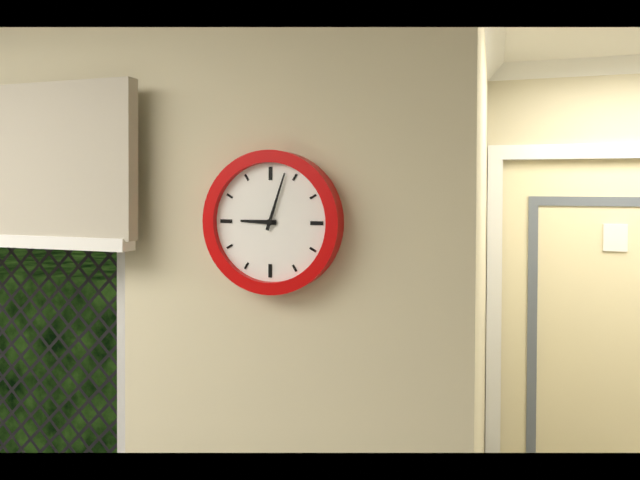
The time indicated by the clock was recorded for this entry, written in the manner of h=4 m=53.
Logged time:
h=9 m=3
